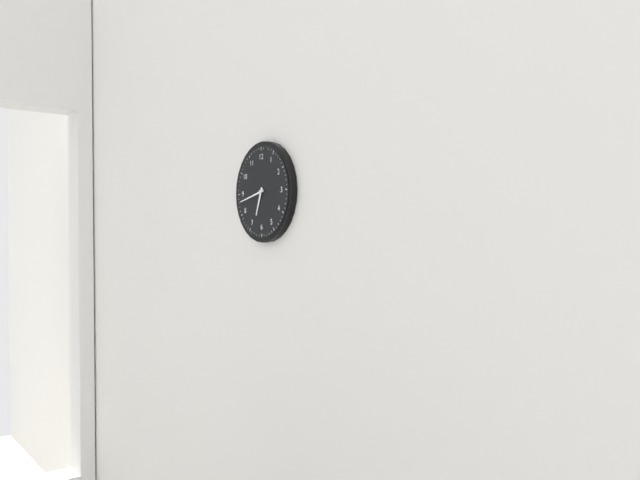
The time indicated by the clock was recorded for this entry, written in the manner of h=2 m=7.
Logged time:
h=6 m=43
